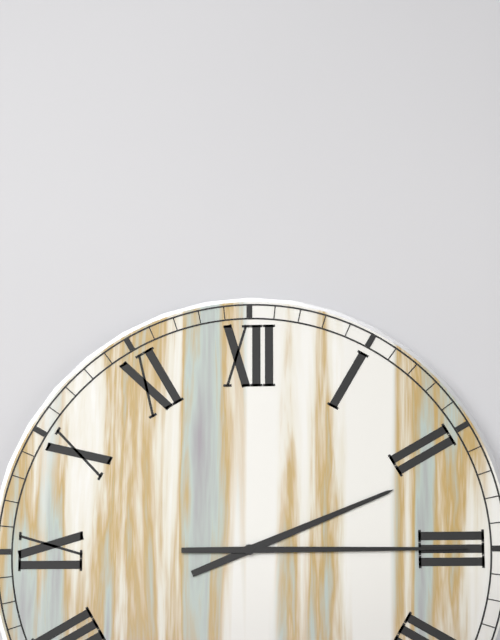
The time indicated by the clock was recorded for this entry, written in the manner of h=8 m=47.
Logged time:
h=2 m=15
